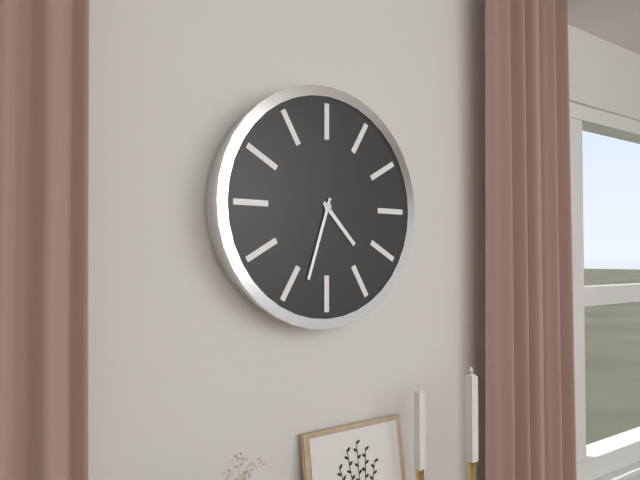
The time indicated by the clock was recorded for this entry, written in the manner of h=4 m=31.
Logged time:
h=4 m=33
